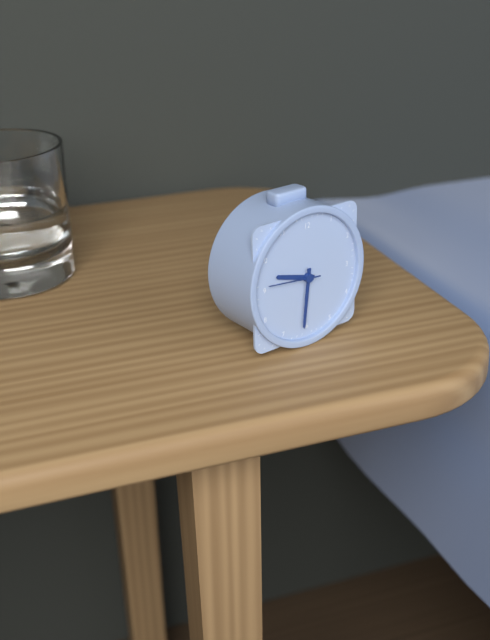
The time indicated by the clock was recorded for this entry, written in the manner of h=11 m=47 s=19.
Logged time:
h=9 m=31 s=46
